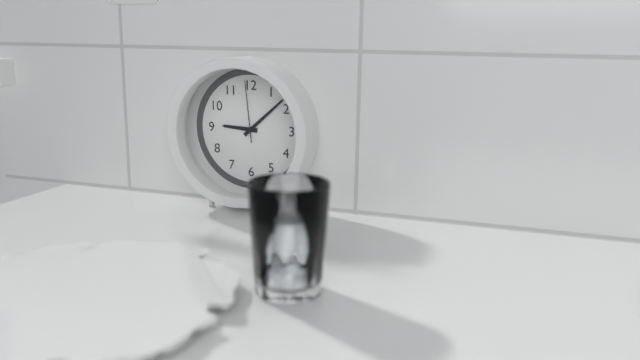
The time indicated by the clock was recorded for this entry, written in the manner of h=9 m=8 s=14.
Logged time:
h=9 m=8 s=59
